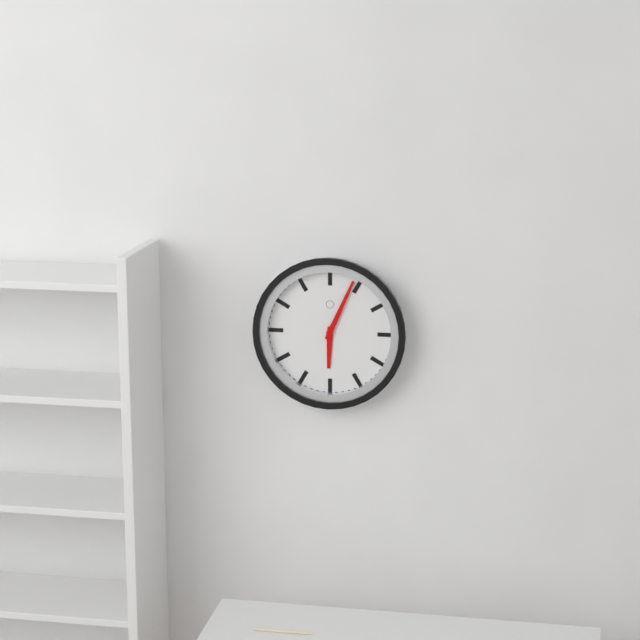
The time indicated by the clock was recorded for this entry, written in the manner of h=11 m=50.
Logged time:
h=6 m=4
